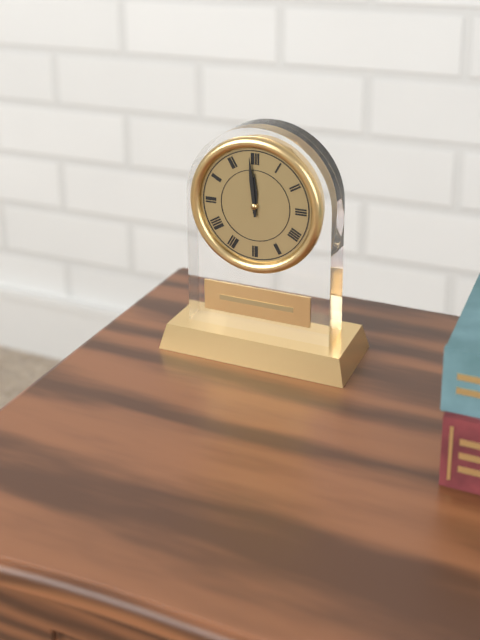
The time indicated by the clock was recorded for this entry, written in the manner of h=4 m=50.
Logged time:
h=11 m=59
